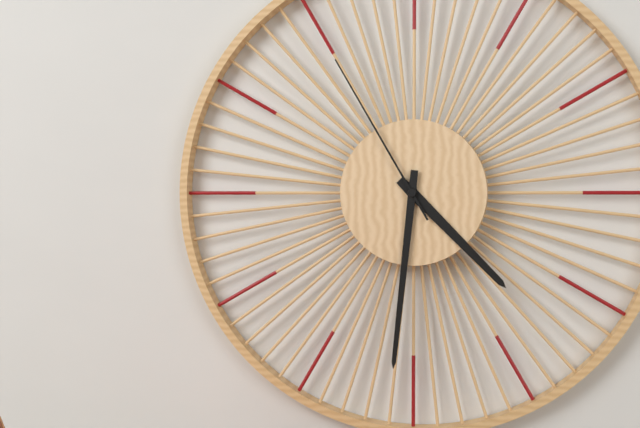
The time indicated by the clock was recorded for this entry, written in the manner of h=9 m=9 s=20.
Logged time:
h=4 m=31 s=55
